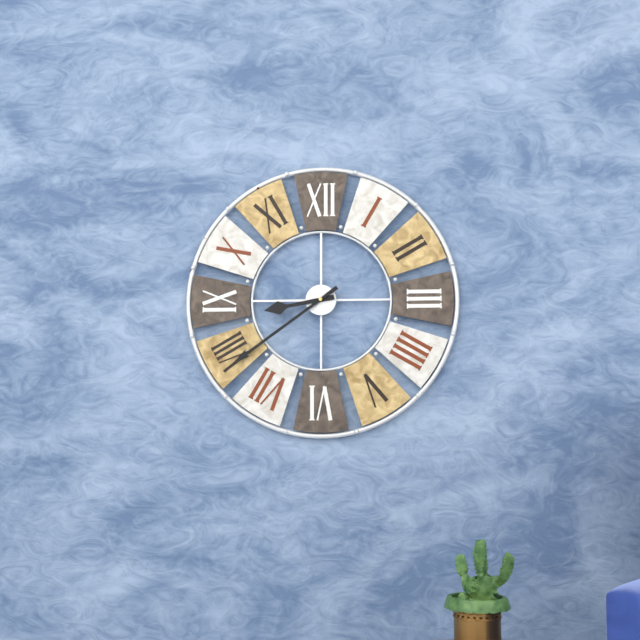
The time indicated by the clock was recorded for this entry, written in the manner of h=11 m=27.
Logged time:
h=8 m=39
